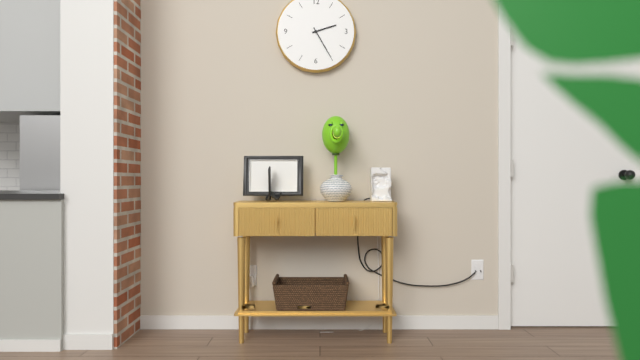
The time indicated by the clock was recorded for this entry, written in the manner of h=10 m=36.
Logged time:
h=2 m=25
